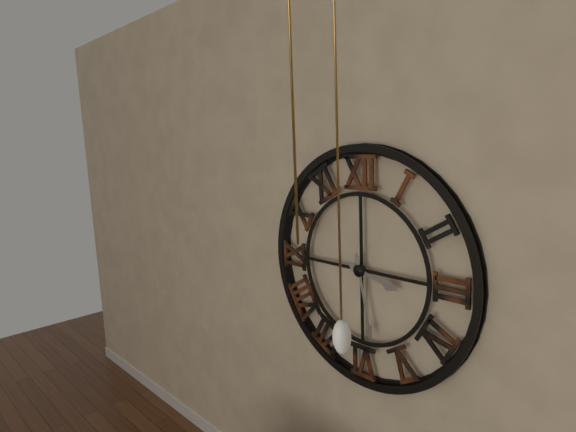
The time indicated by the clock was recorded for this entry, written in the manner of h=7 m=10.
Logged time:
h=3 m=28
